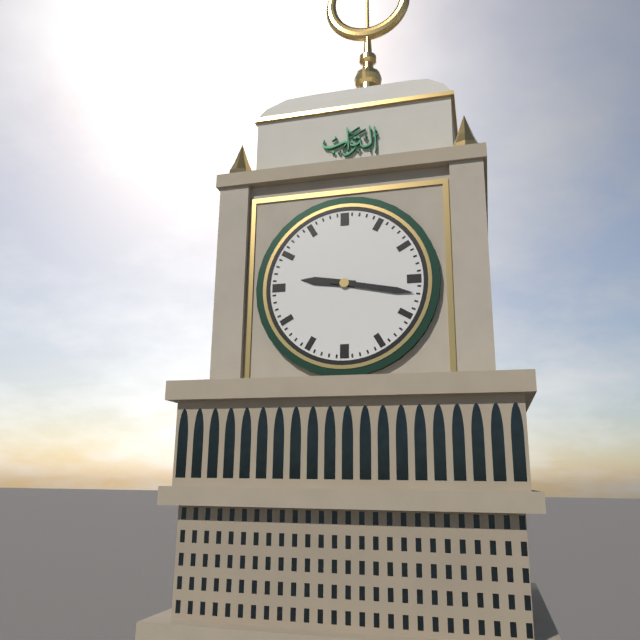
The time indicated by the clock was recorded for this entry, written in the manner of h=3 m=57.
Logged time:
h=9 m=17
